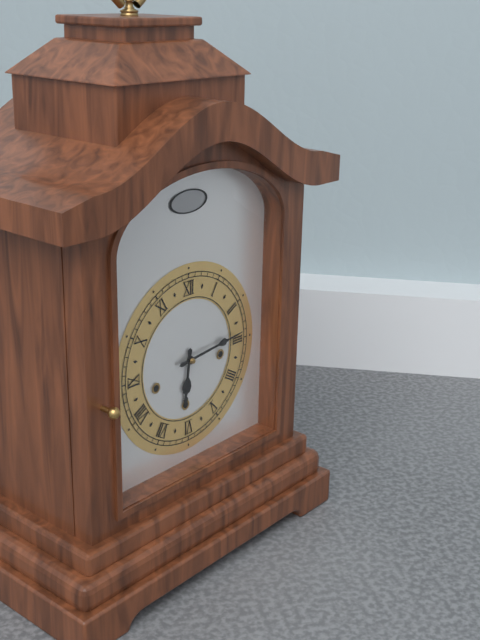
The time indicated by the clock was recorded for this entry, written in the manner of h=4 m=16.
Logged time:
h=6 m=14
